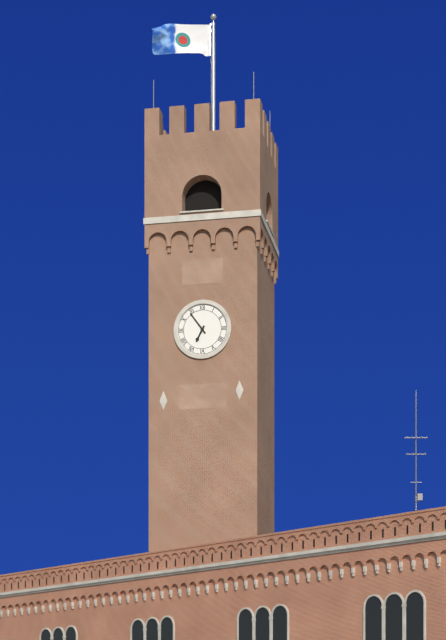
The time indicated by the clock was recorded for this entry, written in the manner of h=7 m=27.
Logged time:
h=6 m=54
